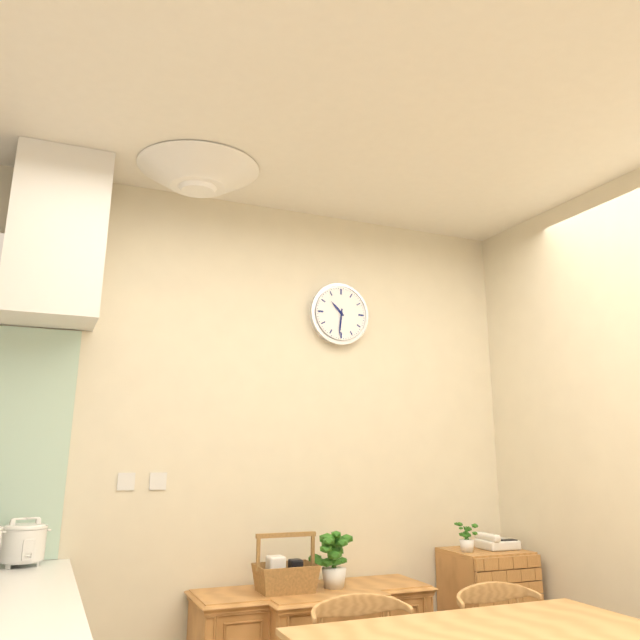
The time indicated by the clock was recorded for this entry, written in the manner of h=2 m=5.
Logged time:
h=10 m=31
